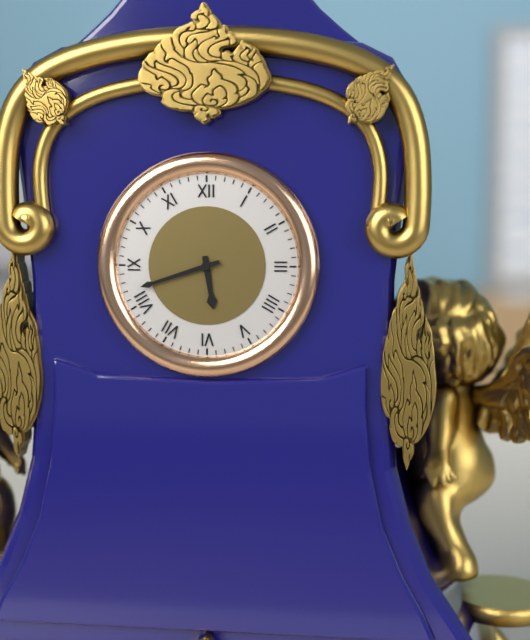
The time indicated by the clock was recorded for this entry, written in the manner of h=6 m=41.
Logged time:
h=5 m=42
